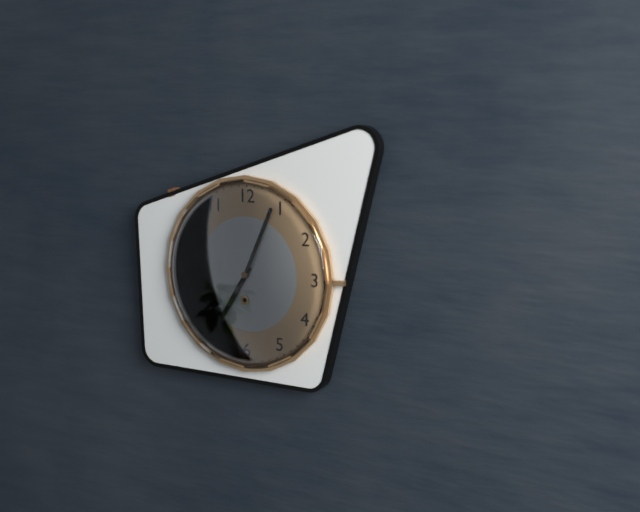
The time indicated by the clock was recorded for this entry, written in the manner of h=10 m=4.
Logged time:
h=7 m=4
